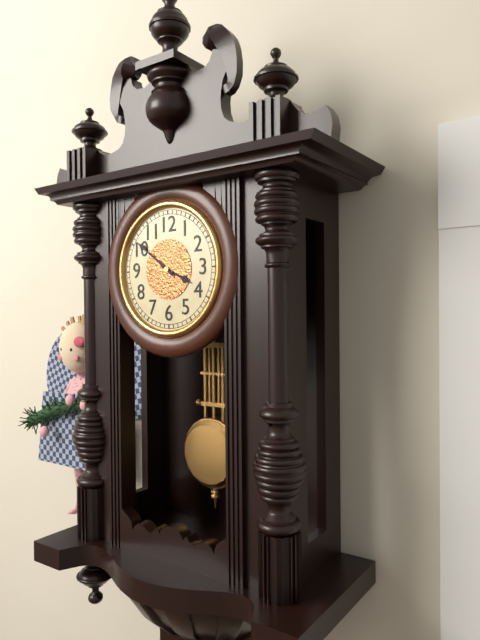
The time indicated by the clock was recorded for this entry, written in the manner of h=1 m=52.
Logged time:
h=3 m=51
